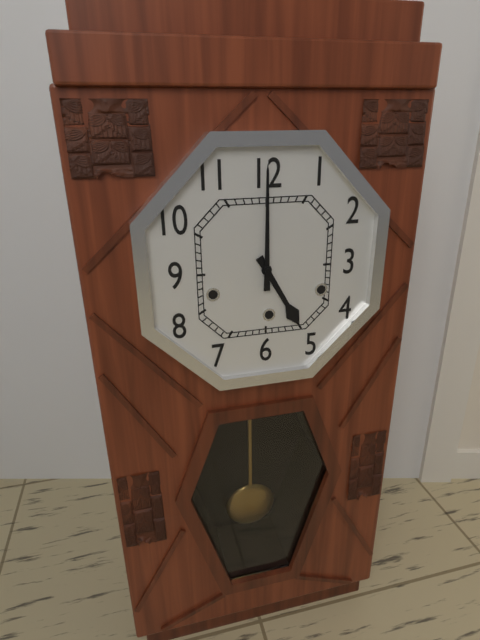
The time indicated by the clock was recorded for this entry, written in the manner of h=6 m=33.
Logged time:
h=5 m=0
